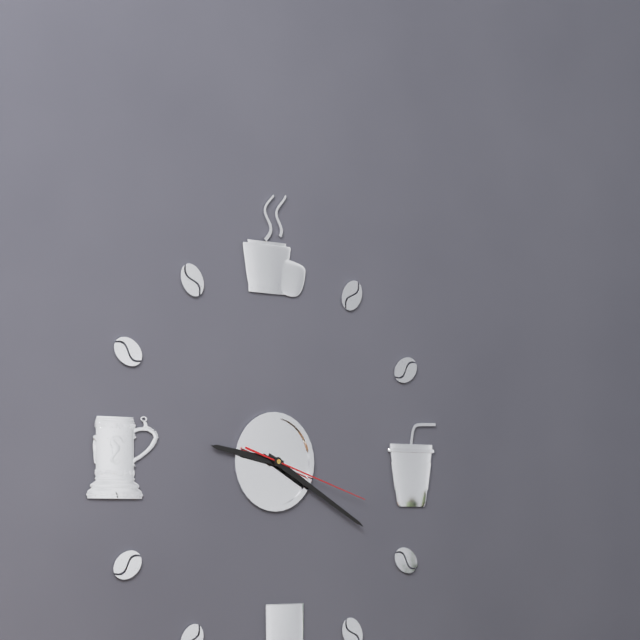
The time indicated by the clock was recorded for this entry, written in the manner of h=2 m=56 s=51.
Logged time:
h=9 m=20 s=18
